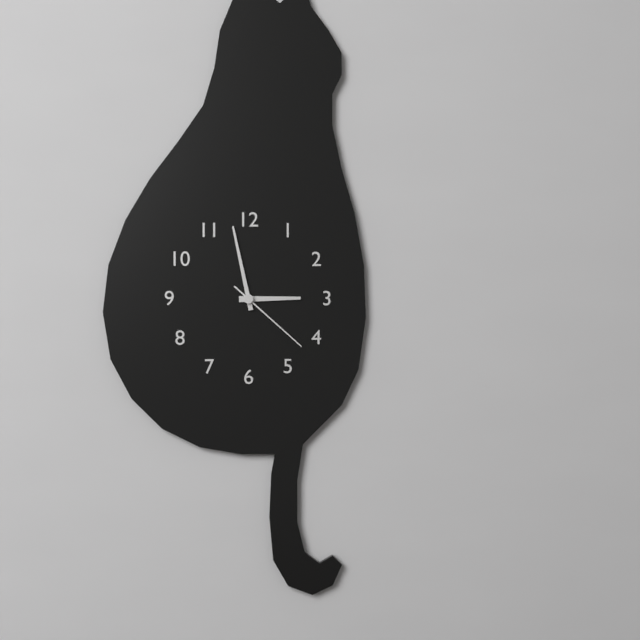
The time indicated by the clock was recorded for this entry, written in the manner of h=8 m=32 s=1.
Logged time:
h=2 m=58 s=22
